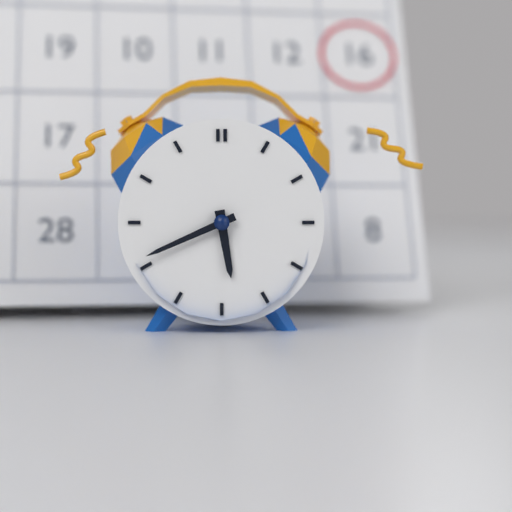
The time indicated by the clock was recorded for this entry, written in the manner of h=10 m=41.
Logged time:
h=5 m=41
